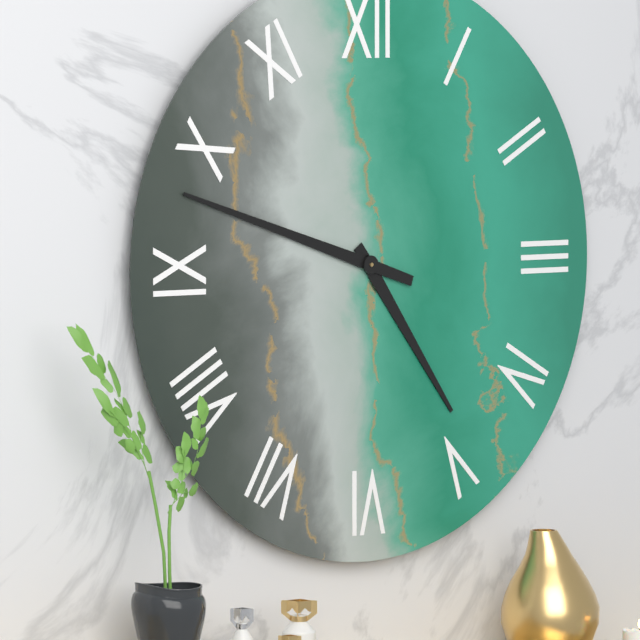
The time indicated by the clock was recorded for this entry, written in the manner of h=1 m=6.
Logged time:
h=4 m=48
